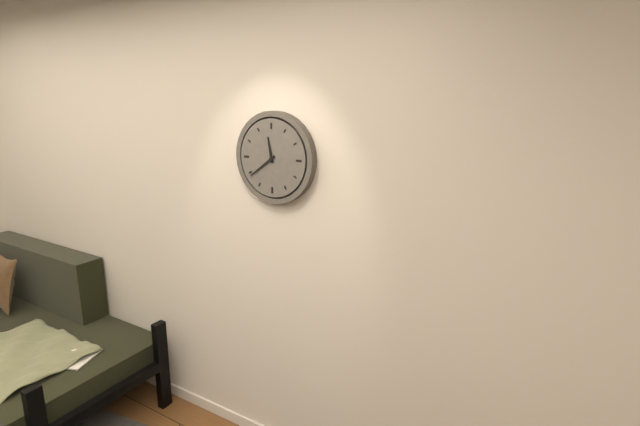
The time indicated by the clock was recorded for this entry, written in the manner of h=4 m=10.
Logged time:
h=11 m=39
